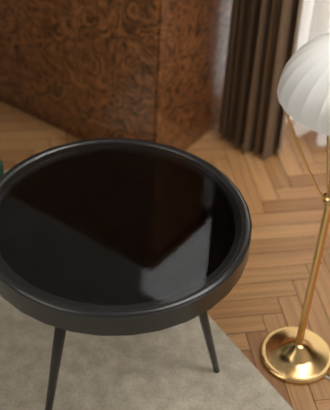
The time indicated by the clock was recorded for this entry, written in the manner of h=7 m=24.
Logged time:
h=8 m=19
